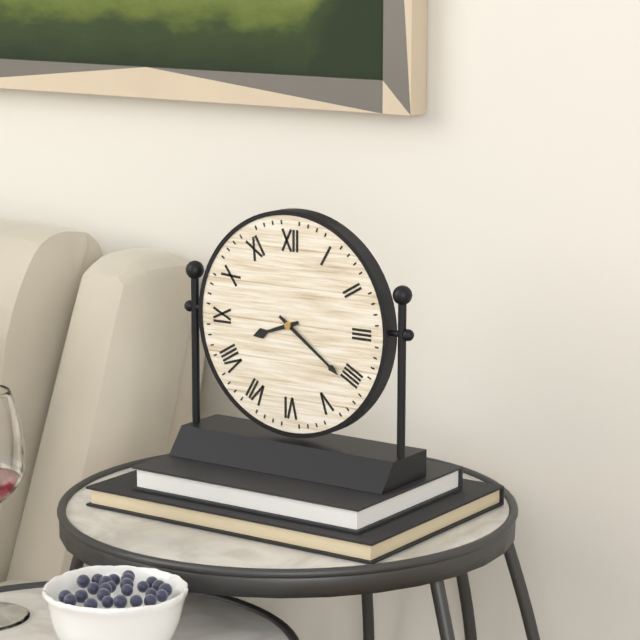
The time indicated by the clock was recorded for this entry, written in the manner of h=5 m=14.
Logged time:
h=8 m=21
